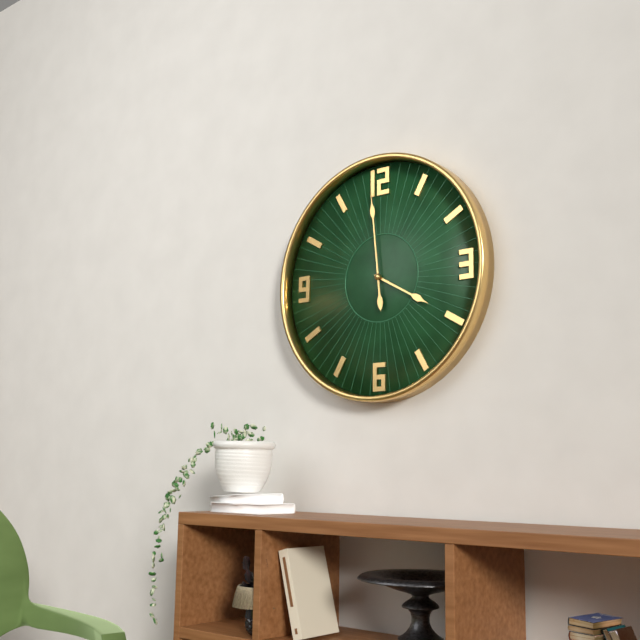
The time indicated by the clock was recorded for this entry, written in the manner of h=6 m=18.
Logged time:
h=3 m=59
